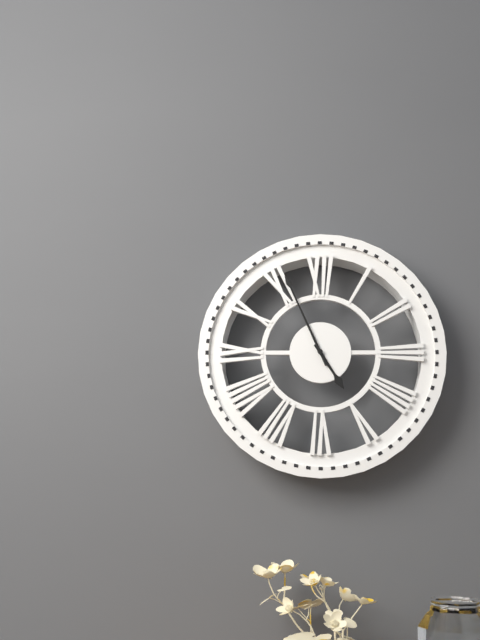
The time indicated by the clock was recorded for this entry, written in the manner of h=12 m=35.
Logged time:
h=4 m=56
